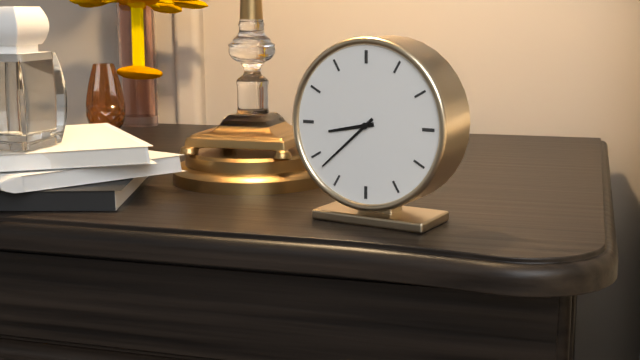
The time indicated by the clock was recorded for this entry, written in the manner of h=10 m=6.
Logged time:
h=8 m=38
